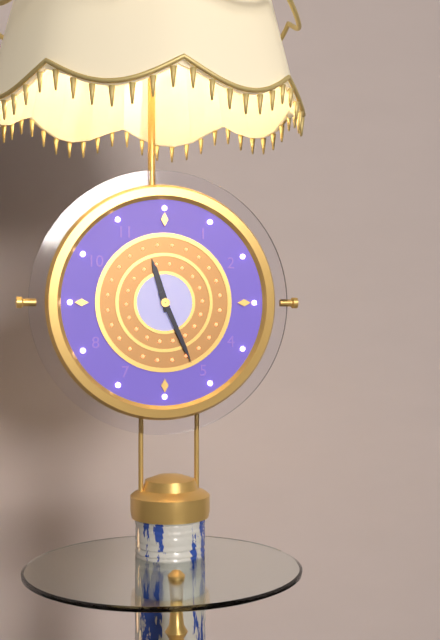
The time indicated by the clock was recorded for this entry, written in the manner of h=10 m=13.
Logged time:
h=11 m=26
